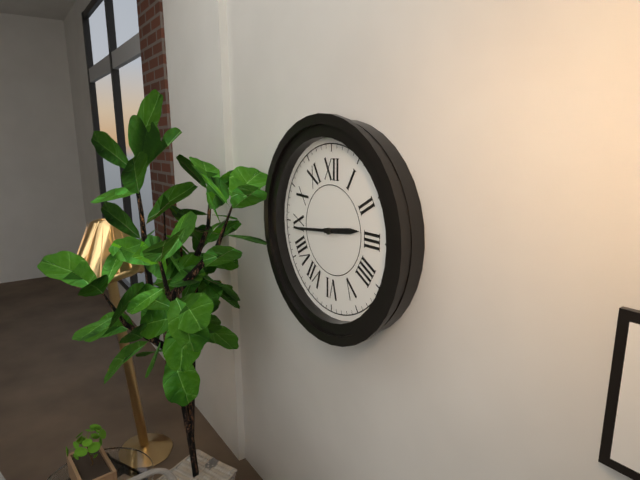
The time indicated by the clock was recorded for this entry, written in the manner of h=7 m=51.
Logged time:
h=2 m=44
